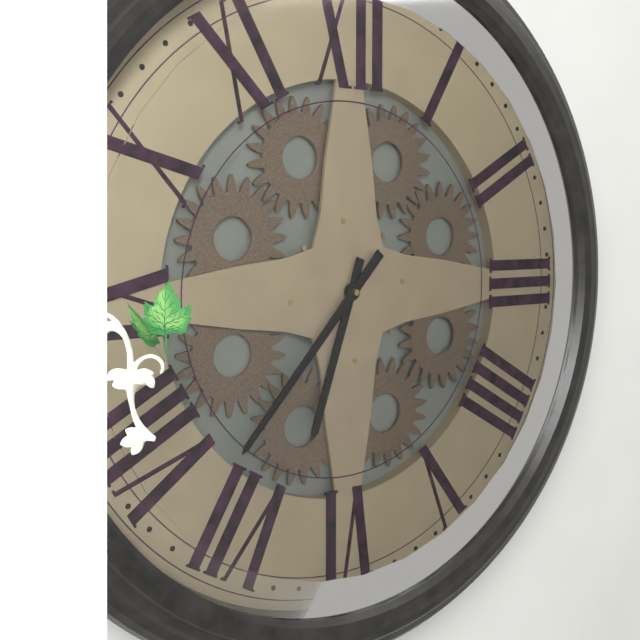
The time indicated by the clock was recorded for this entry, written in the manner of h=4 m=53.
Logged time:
h=6 m=37
